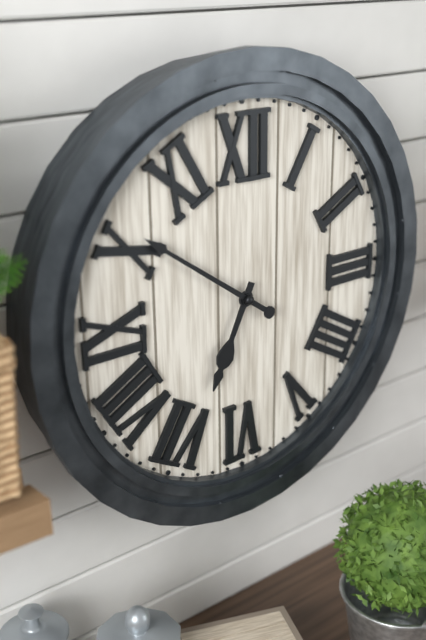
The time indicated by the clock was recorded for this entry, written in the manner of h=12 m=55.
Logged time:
h=6 m=51
